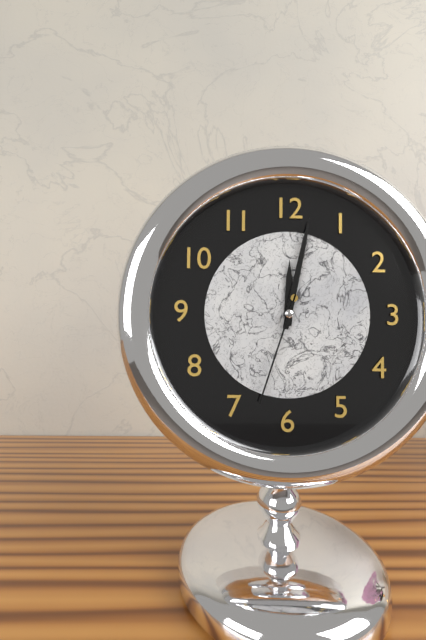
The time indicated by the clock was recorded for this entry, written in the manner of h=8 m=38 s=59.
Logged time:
h=12 m=2 s=33
